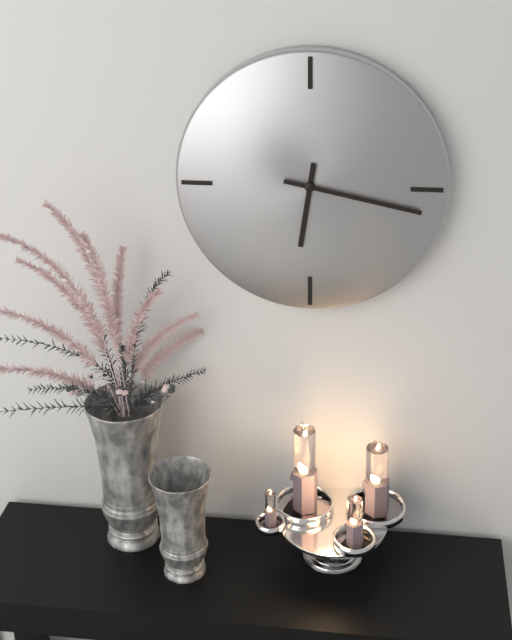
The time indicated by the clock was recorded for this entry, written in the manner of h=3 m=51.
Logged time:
h=6 m=17
